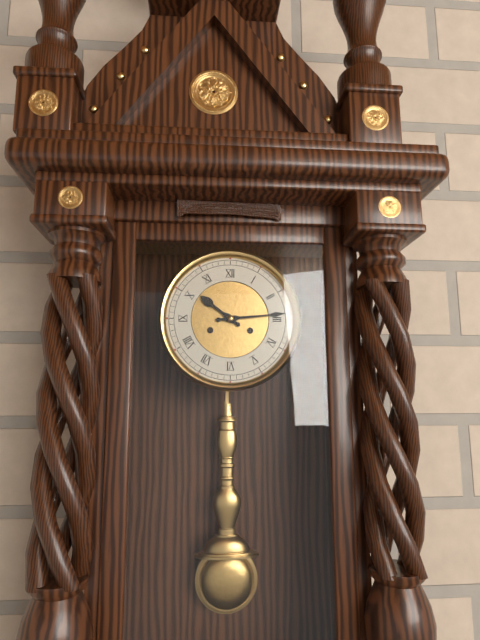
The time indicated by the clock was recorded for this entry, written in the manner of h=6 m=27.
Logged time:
h=10 m=14
